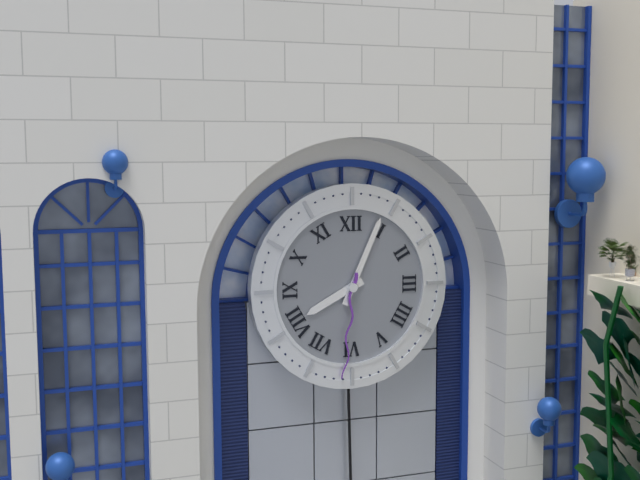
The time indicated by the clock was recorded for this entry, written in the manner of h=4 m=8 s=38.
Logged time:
h=8 m=4 s=31
